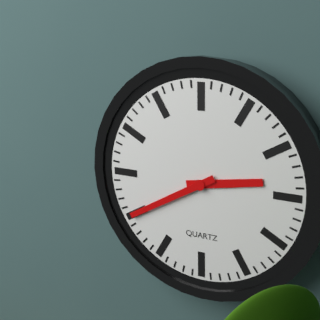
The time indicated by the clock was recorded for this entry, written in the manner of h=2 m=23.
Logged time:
h=2 m=40
